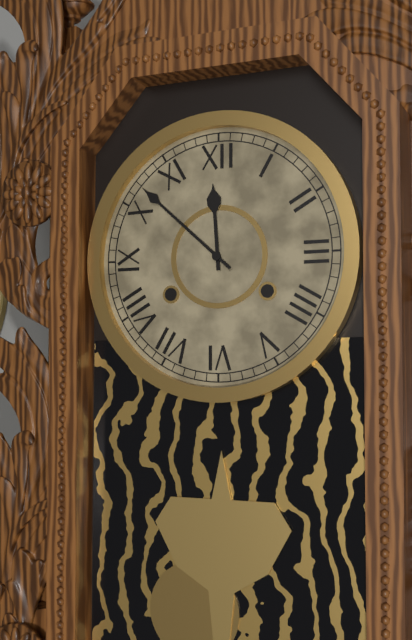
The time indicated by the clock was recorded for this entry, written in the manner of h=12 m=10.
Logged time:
h=11 m=52
